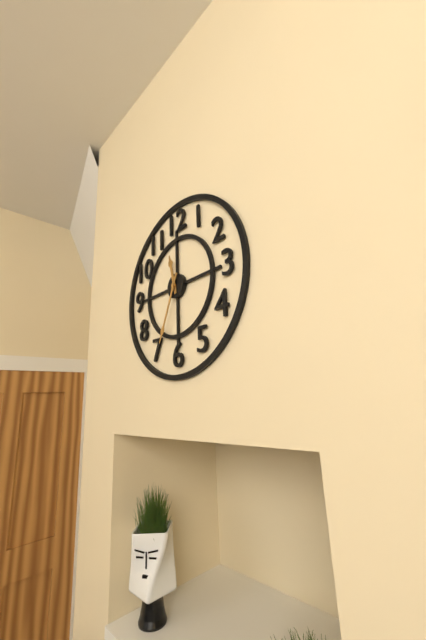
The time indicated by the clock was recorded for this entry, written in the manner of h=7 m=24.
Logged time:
h=11 m=34
